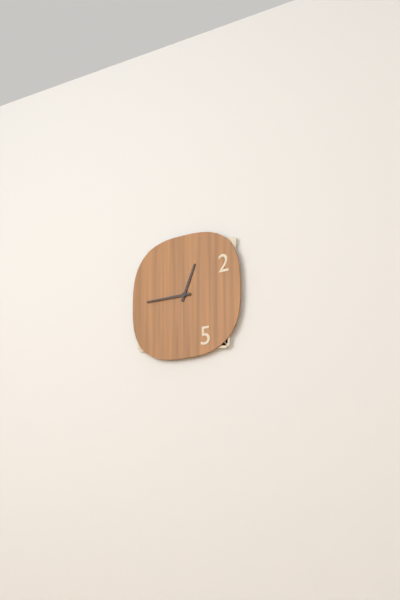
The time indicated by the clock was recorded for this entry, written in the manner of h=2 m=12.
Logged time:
h=12 m=45
